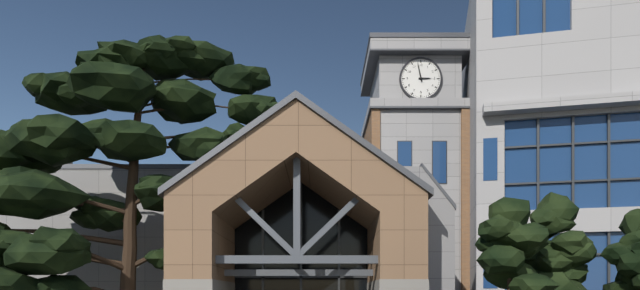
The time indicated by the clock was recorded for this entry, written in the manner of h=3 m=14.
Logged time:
h=2 m=58
